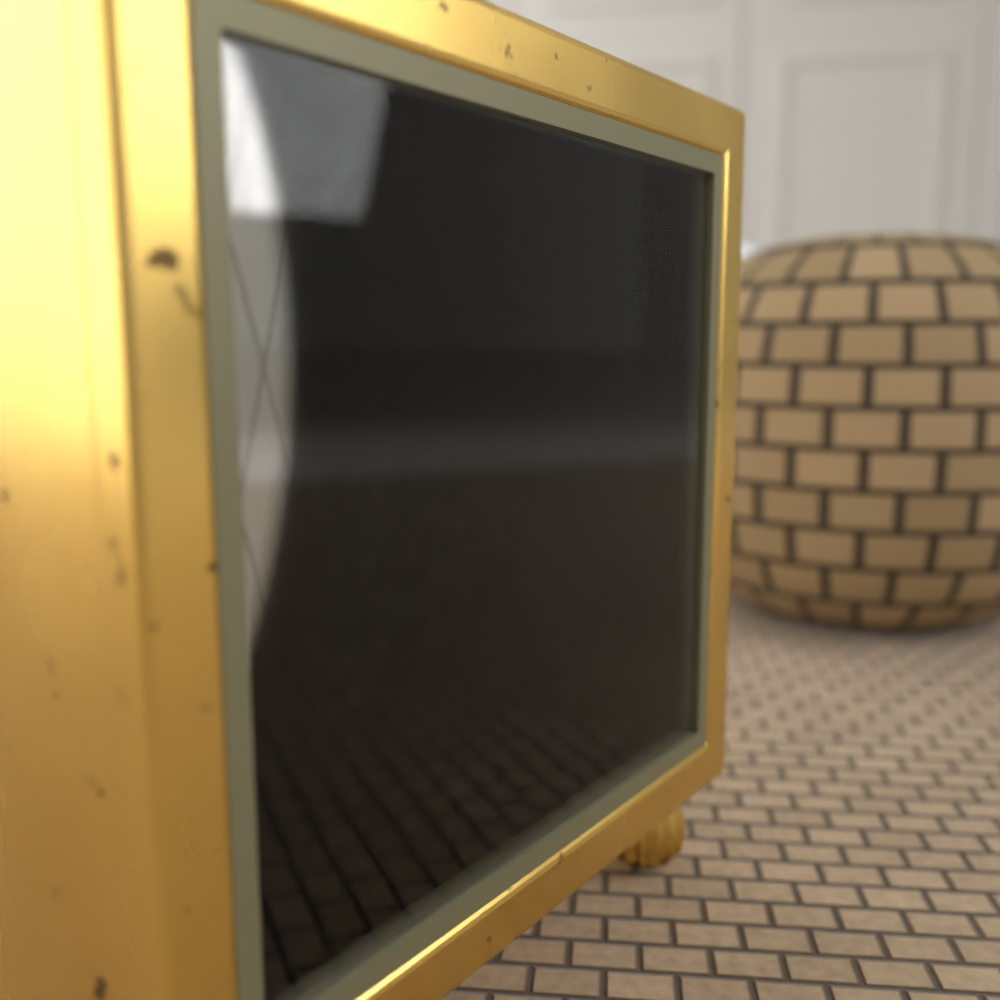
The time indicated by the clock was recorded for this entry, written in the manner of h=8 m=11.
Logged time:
h=6 m=54
